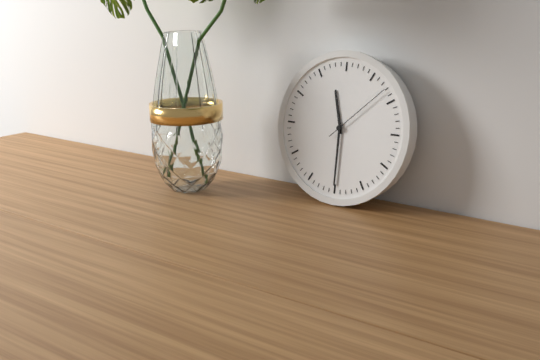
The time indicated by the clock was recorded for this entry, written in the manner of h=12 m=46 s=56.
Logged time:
h=11 m=30 s=8
